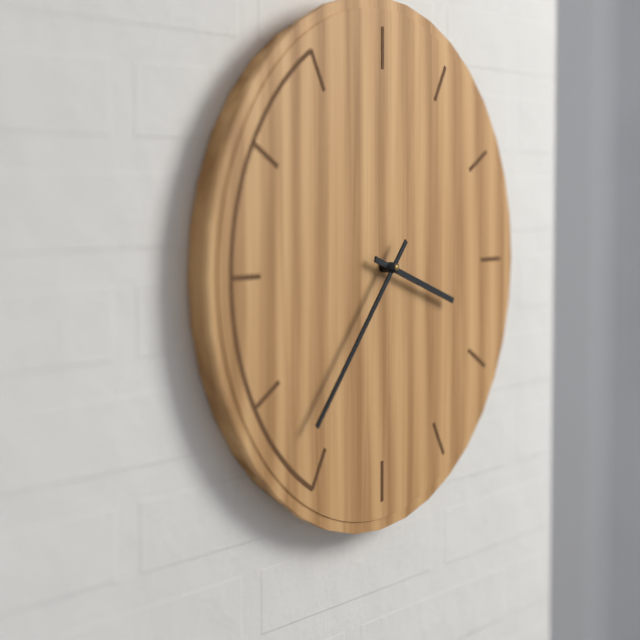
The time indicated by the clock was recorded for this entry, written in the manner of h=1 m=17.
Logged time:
h=3 m=37
